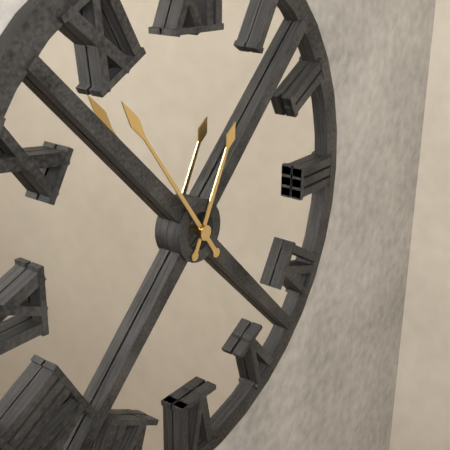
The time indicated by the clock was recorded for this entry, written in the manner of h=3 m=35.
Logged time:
h=12 m=54
